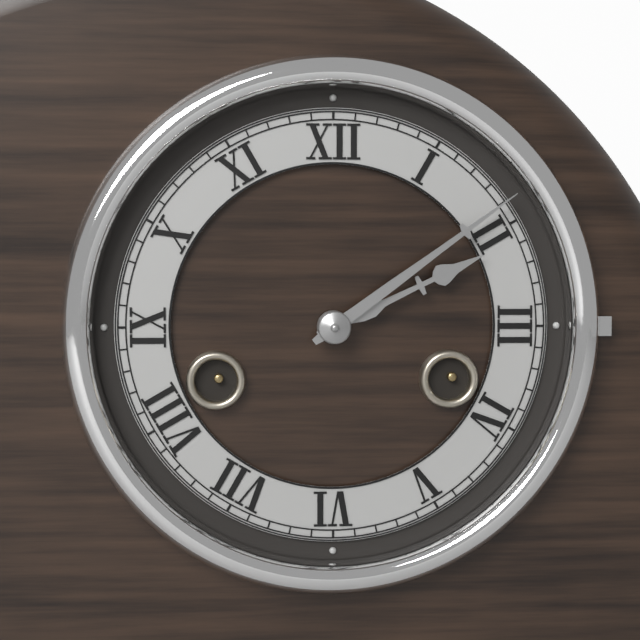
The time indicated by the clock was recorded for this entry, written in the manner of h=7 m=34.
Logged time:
h=2 m=9
